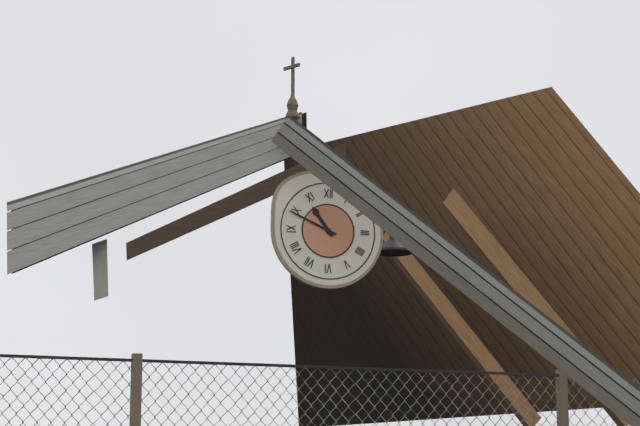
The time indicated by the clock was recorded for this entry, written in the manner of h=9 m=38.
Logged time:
h=10 m=49
